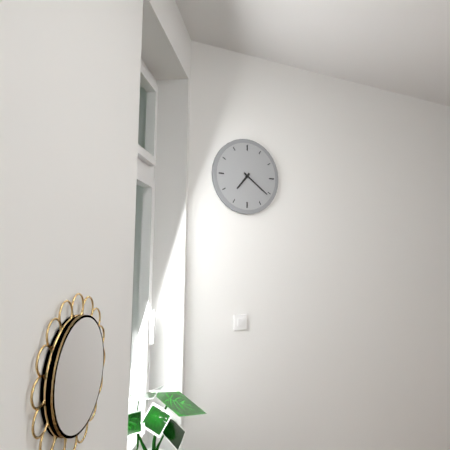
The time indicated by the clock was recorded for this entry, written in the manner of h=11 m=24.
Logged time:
h=7 m=21
